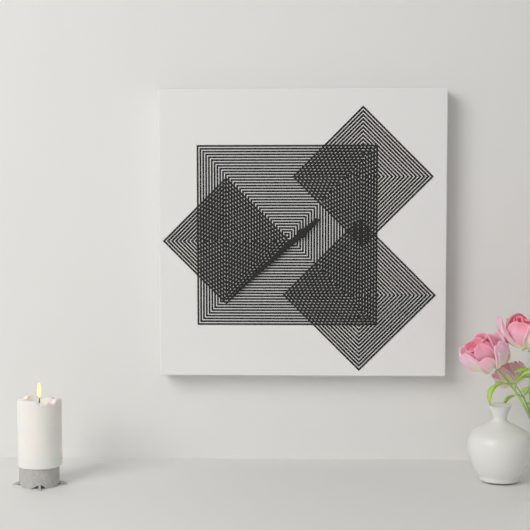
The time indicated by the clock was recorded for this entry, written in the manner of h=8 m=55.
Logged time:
h=7 m=38
